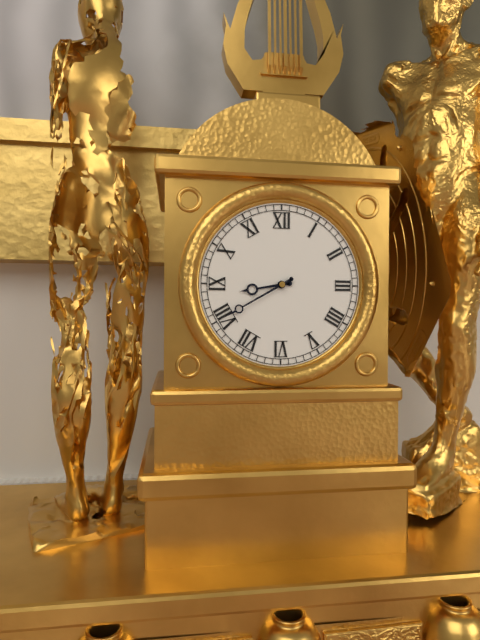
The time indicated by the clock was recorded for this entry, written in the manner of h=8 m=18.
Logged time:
h=8 m=40
